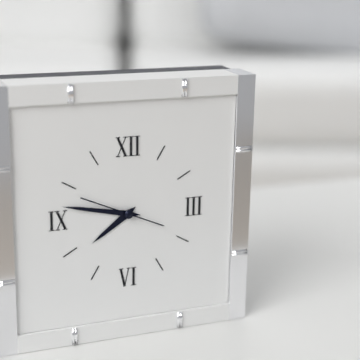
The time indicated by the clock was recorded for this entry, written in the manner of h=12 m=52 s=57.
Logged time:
h=7 m=47 s=49
